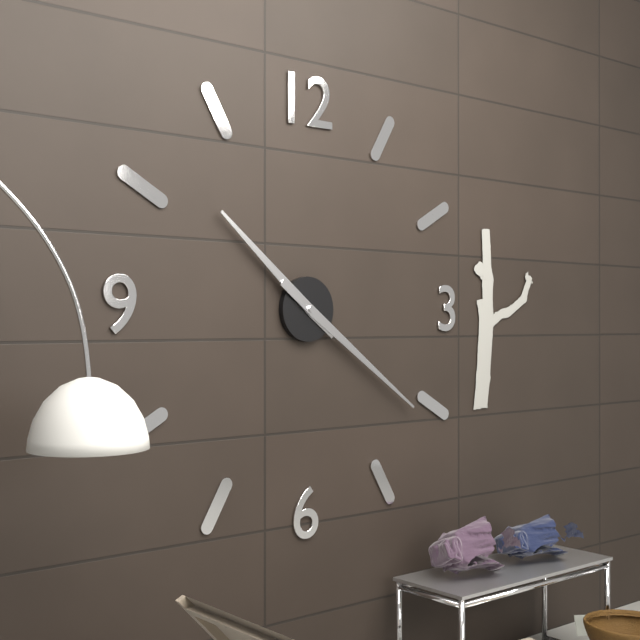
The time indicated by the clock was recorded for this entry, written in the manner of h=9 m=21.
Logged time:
h=10 m=21
